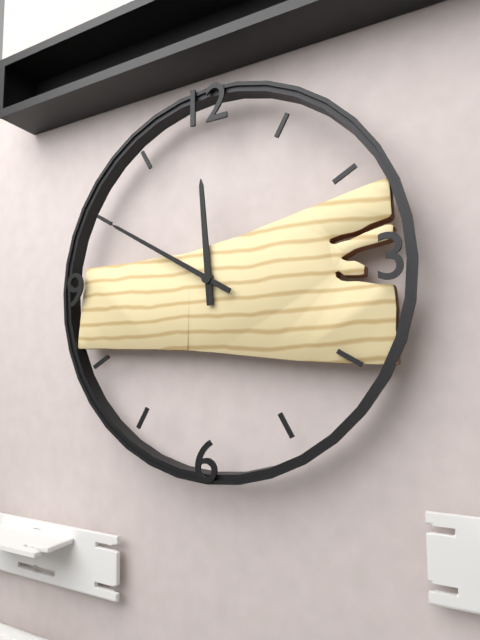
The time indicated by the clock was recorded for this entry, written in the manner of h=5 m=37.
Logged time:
h=11 m=50
